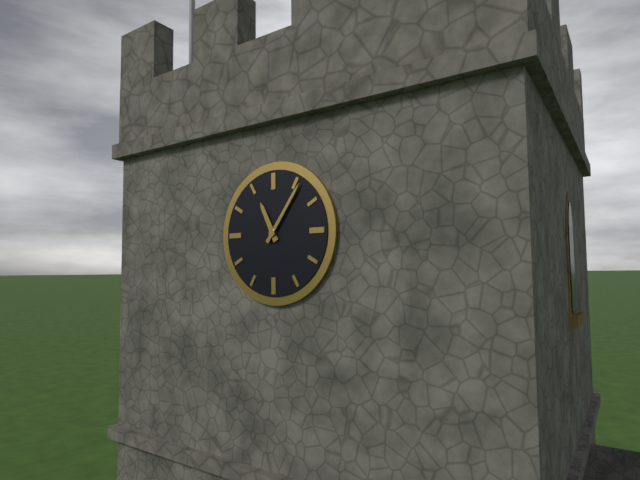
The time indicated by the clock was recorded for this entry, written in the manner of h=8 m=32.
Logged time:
h=11 m=6
